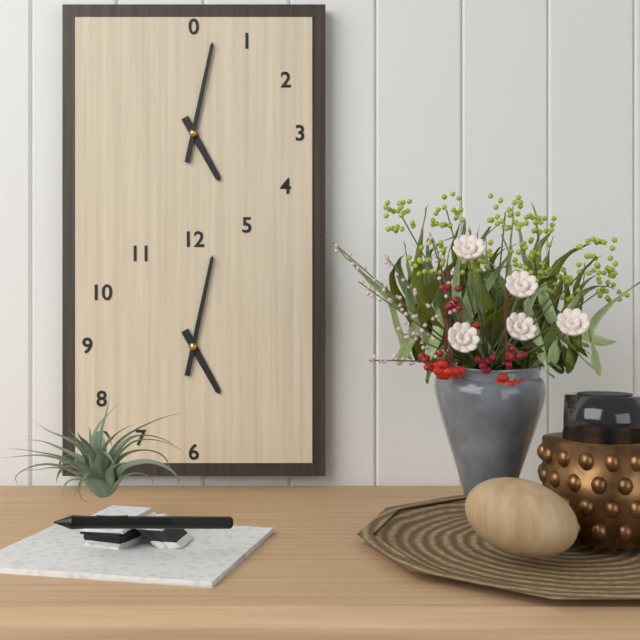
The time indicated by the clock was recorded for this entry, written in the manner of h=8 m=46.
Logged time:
h=5 m=2
